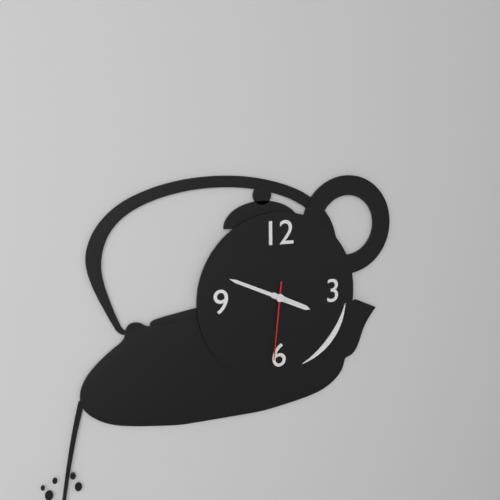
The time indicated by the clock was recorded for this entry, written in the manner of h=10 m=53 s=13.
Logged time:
h=3 m=49 s=31
